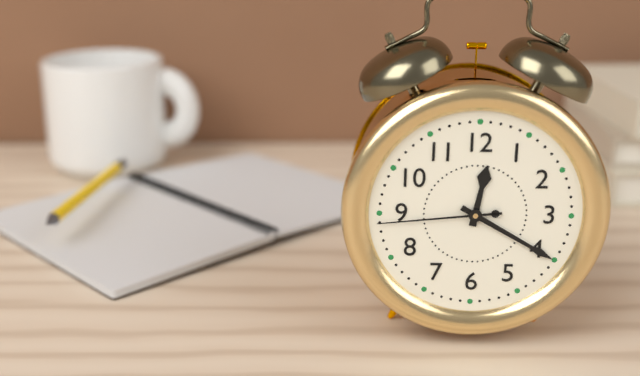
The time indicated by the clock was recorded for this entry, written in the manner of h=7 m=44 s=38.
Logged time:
h=12 m=20 s=44
